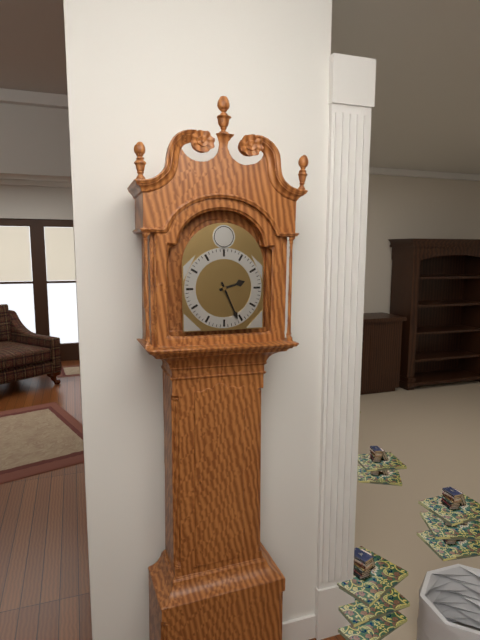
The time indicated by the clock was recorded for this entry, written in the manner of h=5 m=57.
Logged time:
h=2 m=26
